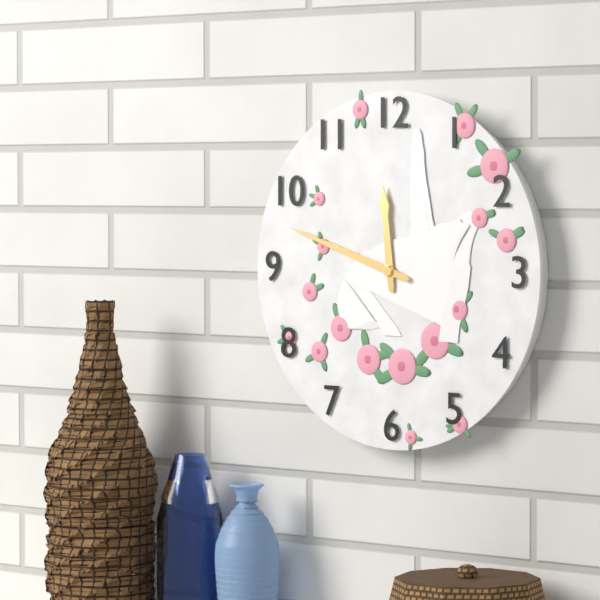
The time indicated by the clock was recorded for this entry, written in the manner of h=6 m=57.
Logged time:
h=11 m=48
